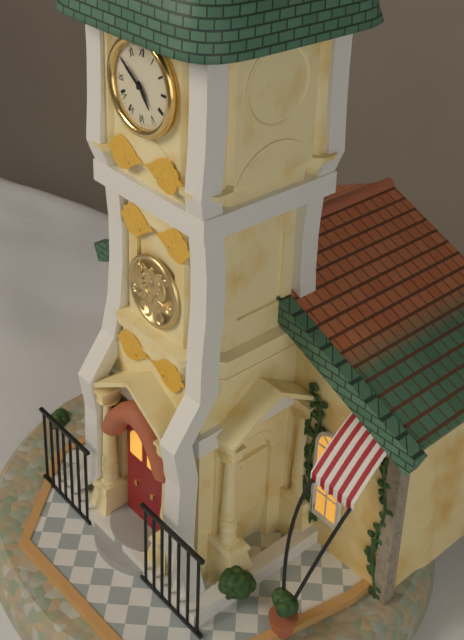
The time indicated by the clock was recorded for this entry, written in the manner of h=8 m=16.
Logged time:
h=4 m=51
